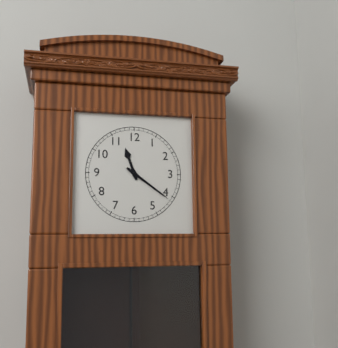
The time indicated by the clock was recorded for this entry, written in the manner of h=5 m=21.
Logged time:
h=11 m=21
